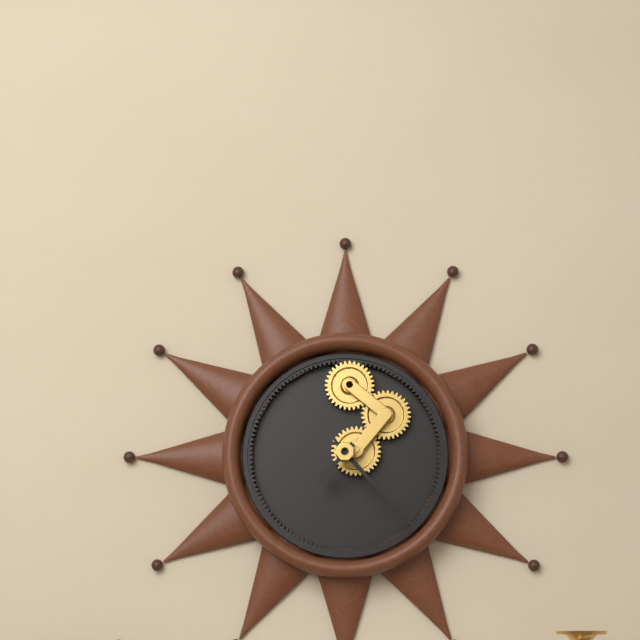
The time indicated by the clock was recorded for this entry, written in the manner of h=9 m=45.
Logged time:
h=7 m=23
